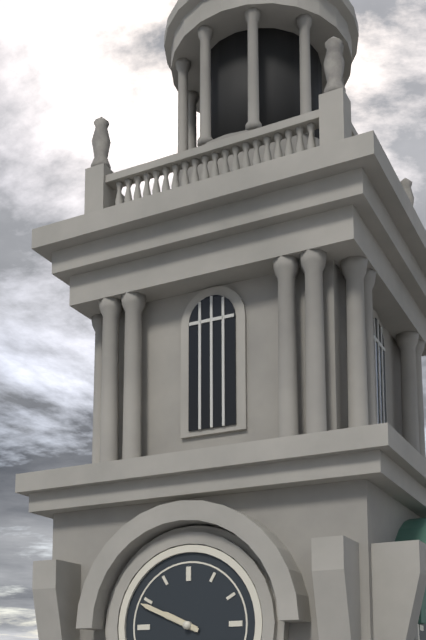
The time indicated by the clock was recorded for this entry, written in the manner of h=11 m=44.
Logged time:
h=9 m=49
